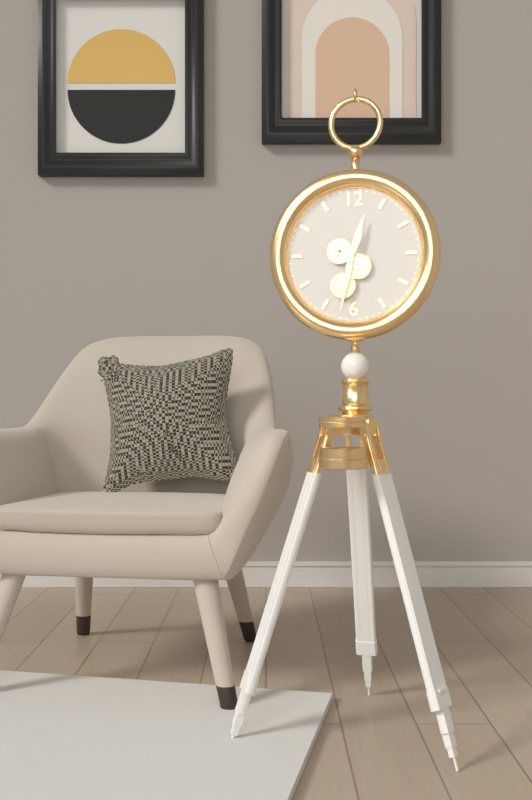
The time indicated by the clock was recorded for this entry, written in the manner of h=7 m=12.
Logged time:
h=12 m=32
